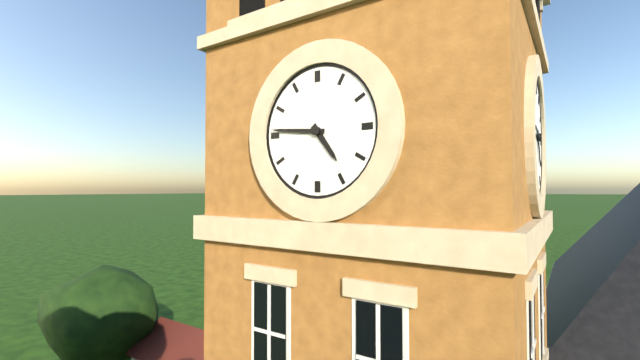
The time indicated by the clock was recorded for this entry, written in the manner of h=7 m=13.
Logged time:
h=4 m=46
